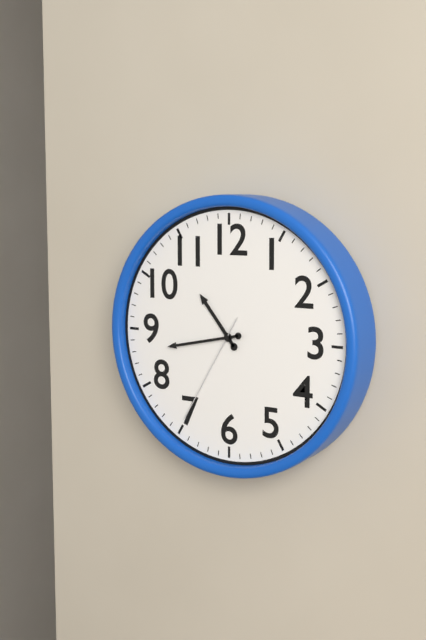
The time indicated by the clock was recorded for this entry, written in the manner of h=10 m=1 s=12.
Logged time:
h=10 m=43 s=35
